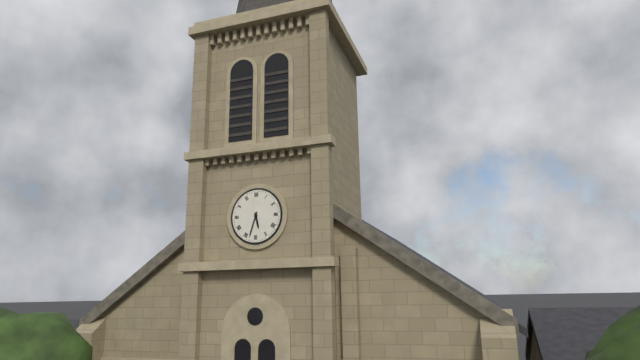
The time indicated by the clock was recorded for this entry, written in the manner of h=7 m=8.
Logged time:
h=5 m=33
